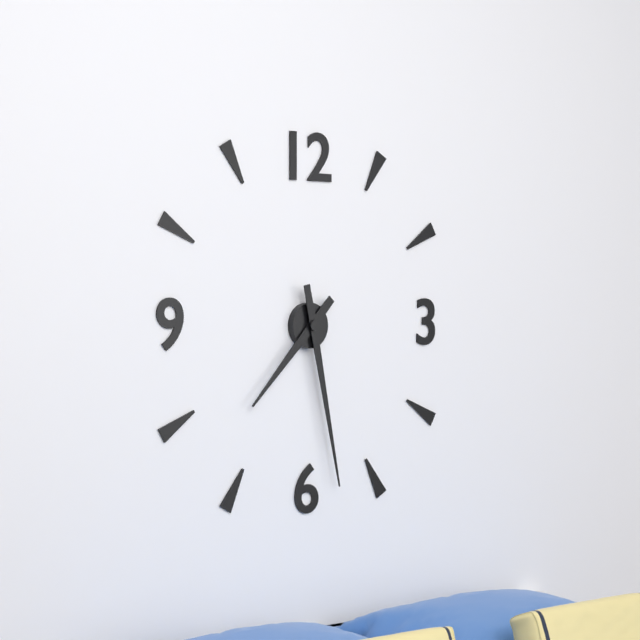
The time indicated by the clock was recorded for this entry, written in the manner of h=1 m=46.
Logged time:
h=7 m=28
